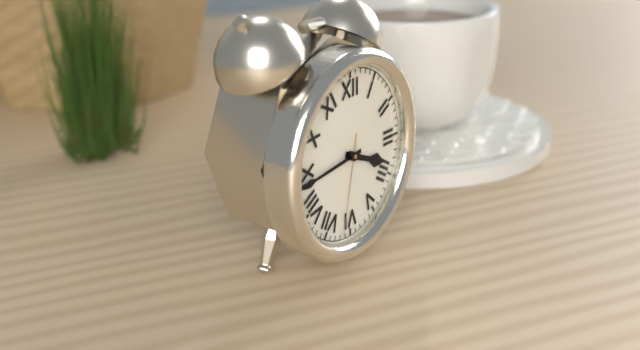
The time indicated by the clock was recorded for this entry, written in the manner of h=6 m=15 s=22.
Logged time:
h=3 m=44 s=32
